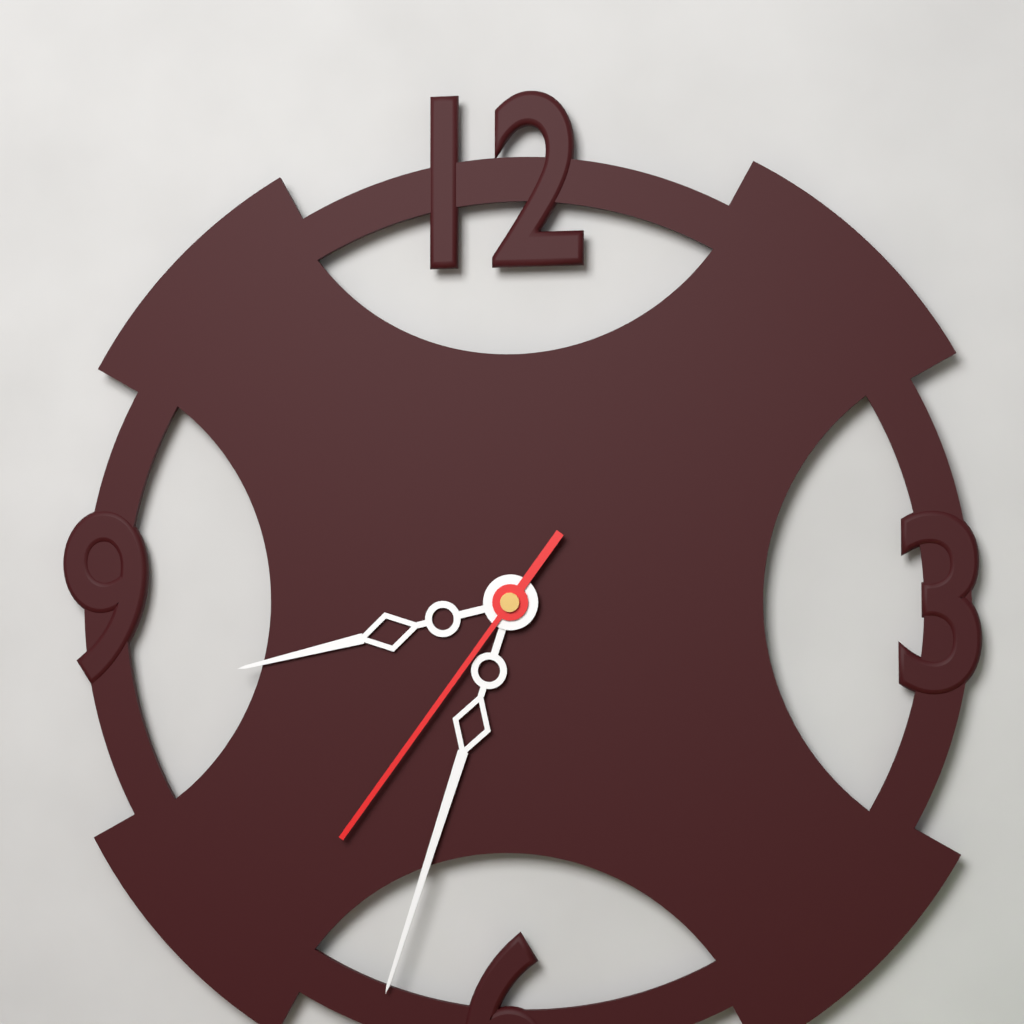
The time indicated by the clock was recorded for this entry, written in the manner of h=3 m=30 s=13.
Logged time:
h=8 m=33 s=36
